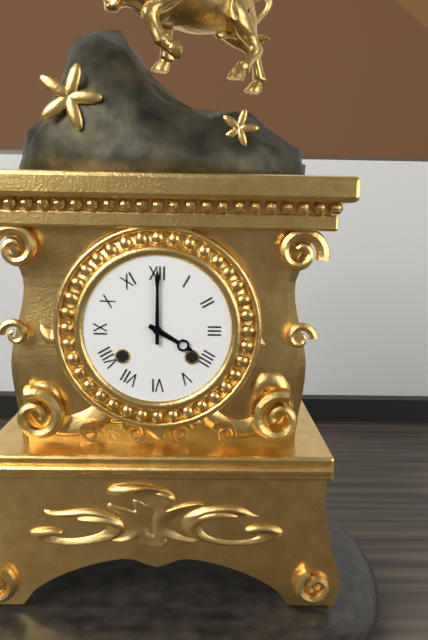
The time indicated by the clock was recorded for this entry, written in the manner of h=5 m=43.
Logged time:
h=4 m=0
